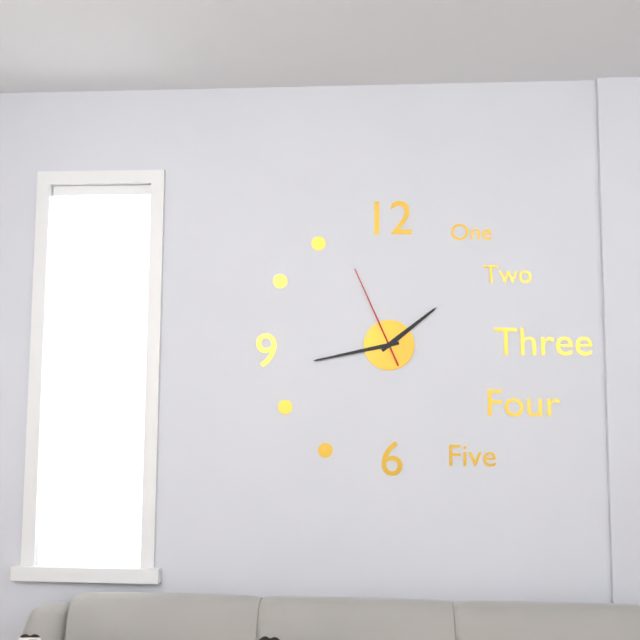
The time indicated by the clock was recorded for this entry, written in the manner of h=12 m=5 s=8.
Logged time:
h=1 m=43 s=56
